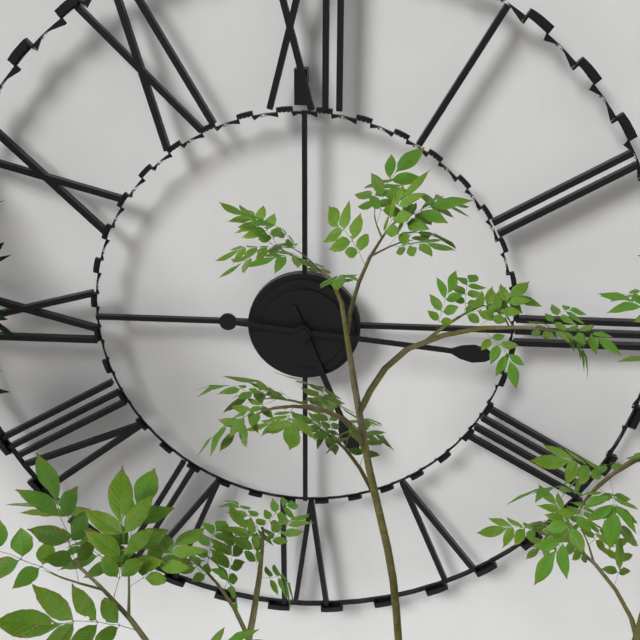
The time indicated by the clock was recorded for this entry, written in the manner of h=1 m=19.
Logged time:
h=5 m=16
